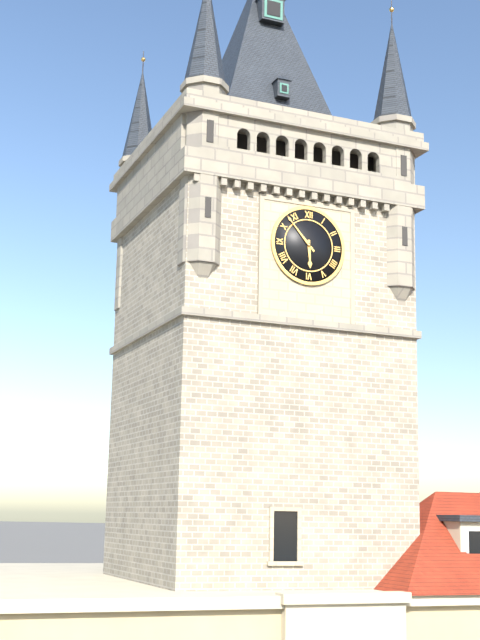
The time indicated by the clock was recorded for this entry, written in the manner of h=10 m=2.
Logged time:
h=5 m=53
